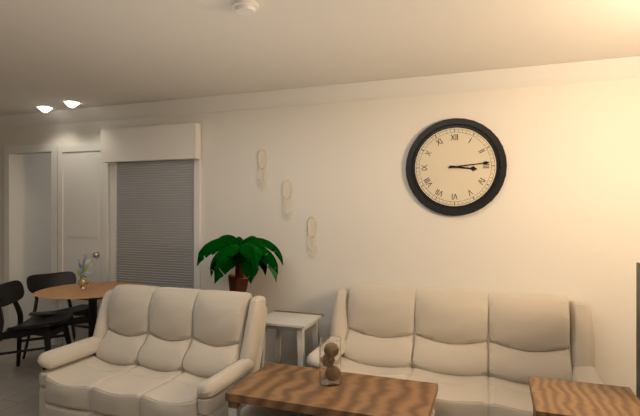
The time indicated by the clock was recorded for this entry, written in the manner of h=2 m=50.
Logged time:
h=3 m=14
